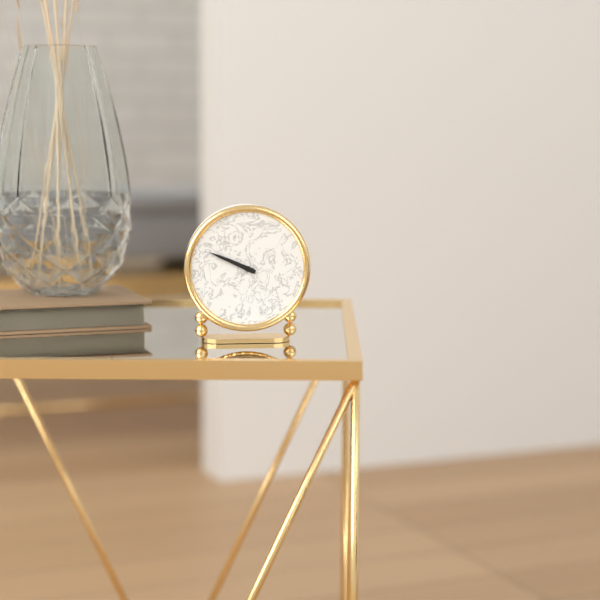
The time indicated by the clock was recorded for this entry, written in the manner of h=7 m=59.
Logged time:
h=9 m=49
